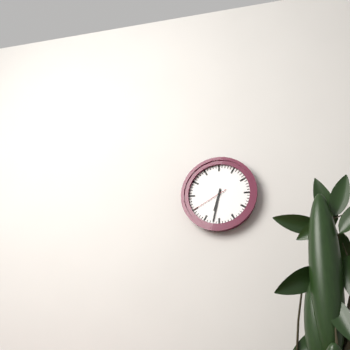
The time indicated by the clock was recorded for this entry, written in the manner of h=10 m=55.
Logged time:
h=6 m=32
